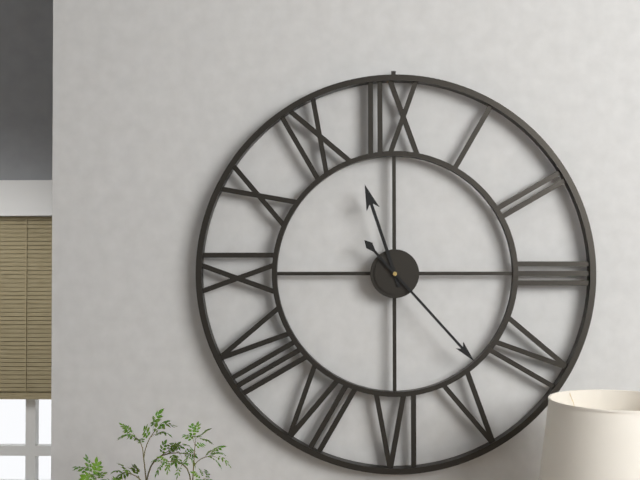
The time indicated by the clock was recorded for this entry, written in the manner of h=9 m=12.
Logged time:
h=11 m=23
